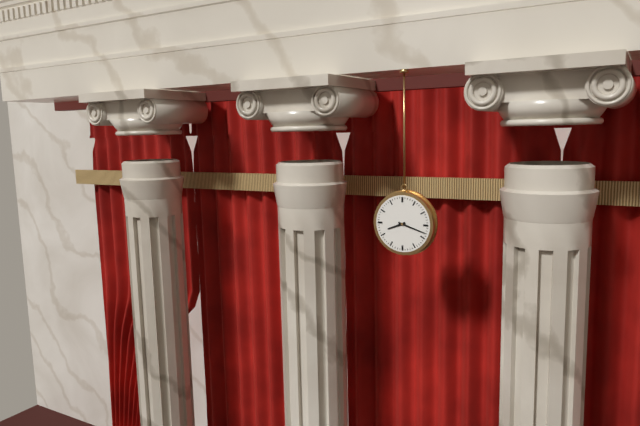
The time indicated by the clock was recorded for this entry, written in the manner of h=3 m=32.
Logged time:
h=8 m=18
